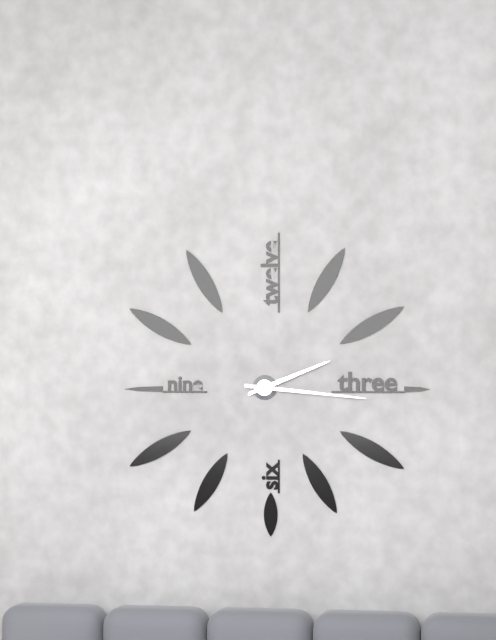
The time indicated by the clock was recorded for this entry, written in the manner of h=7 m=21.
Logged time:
h=2 m=16
